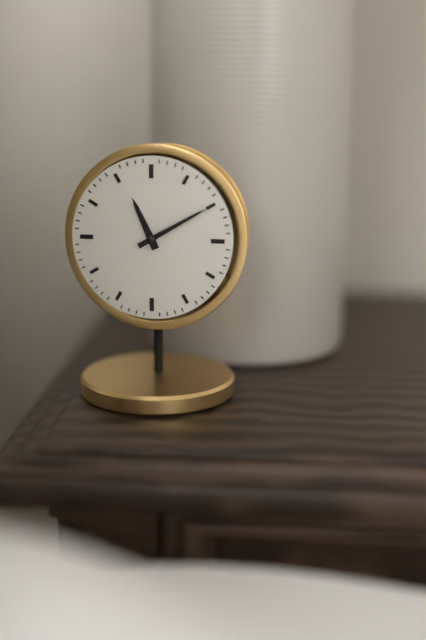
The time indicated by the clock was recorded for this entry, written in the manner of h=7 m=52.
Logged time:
h=11 m=10
